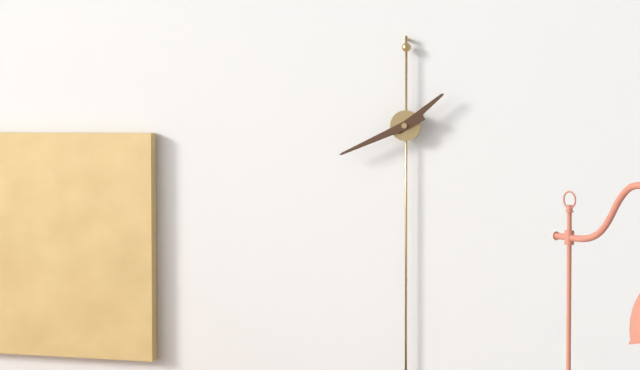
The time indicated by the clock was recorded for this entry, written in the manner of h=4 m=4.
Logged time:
h=1 m=41
